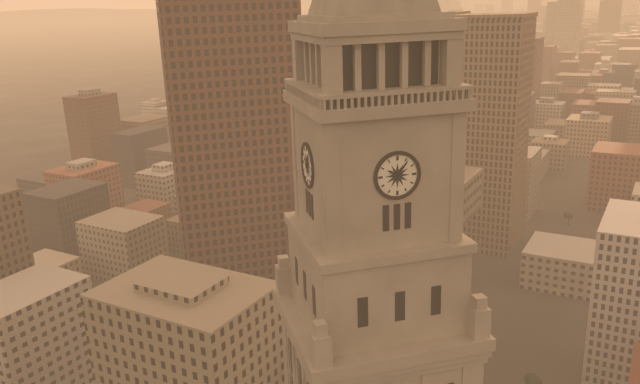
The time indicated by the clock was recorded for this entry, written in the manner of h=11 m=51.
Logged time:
h=10 m=6
